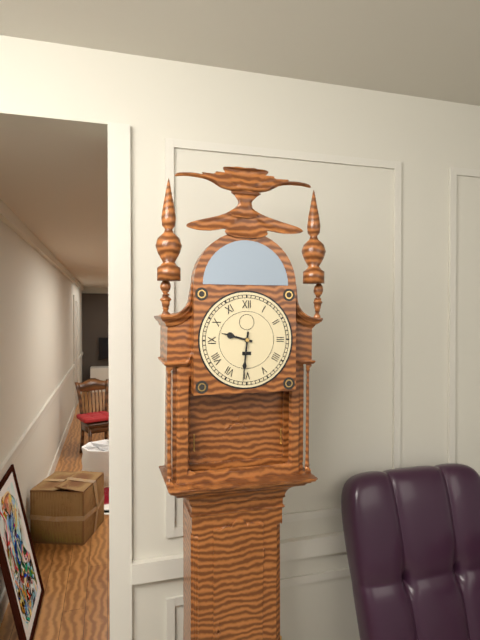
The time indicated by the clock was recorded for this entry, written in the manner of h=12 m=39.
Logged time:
h=9 m=31
